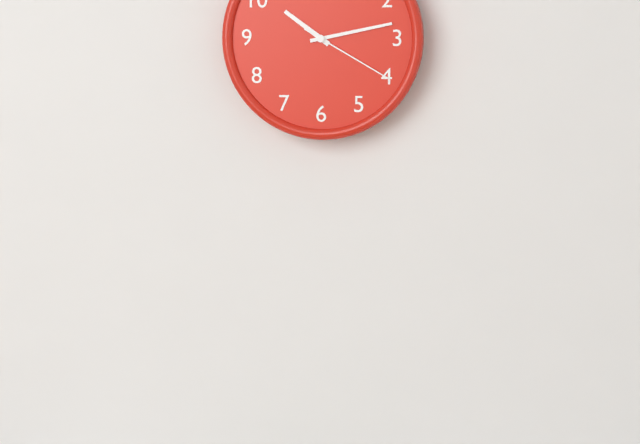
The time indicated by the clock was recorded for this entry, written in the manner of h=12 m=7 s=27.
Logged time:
h=10 m=13 s=20
